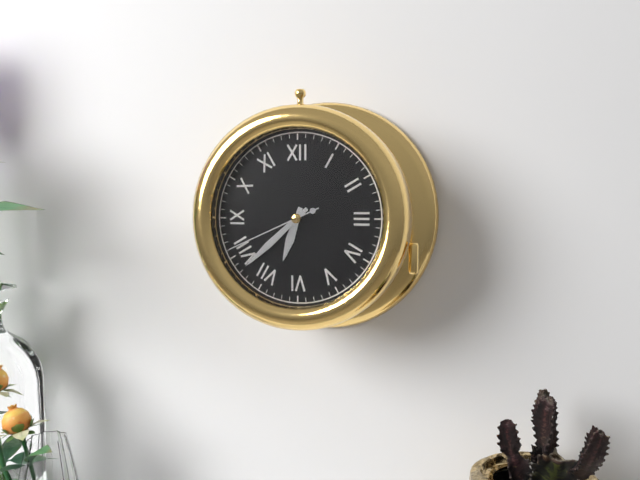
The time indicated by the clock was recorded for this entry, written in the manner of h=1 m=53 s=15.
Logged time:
h=6 m=38 s=41
